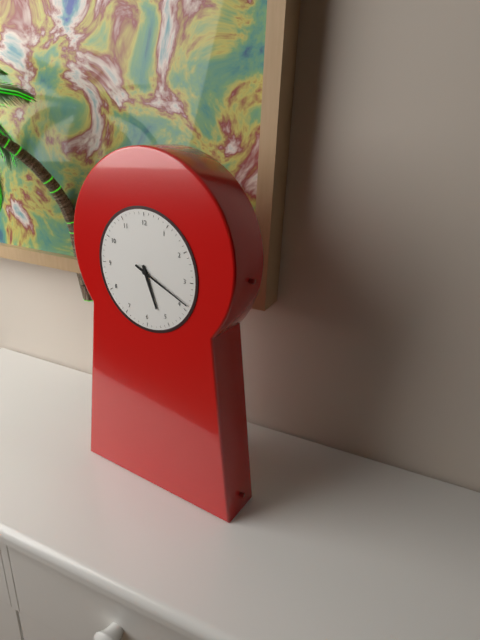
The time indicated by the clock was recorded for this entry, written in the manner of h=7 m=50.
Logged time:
h=5 m=19
